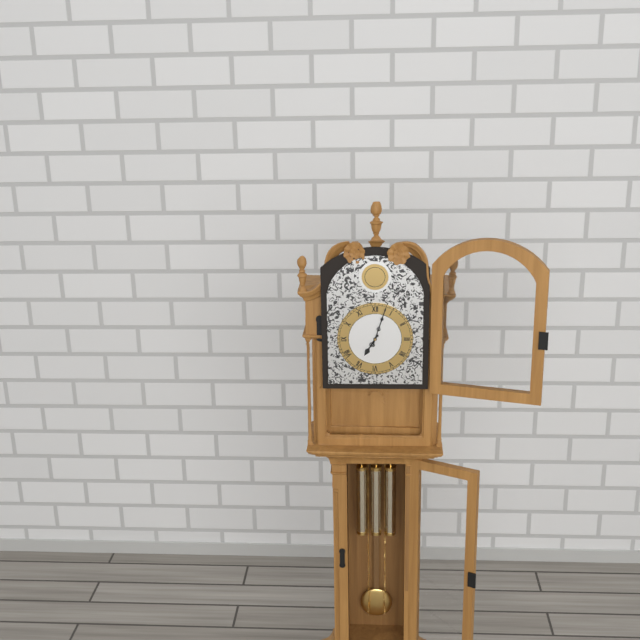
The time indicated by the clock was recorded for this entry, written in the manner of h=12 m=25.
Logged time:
h=7 m=3
